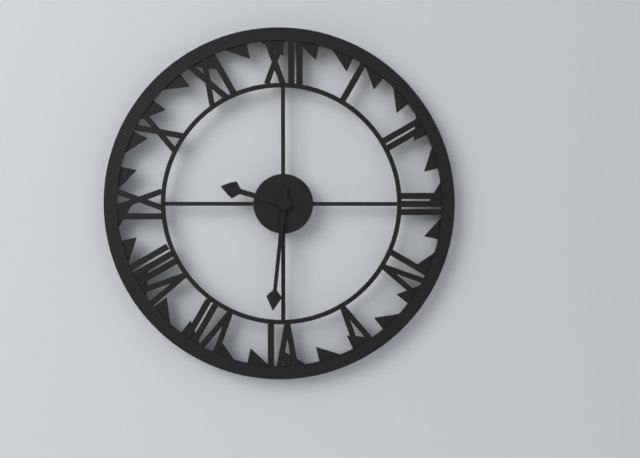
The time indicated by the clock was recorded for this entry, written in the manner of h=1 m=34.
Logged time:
h=9 m=31
